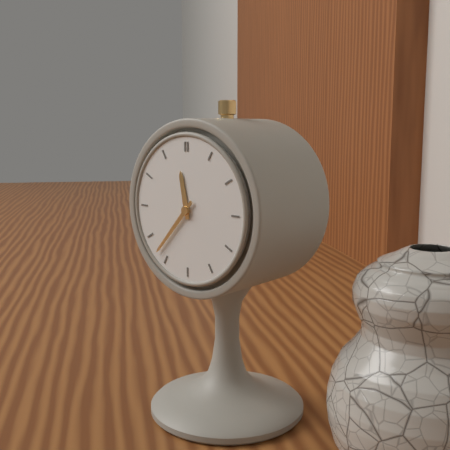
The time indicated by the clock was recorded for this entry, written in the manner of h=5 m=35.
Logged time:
h=11 m=37
